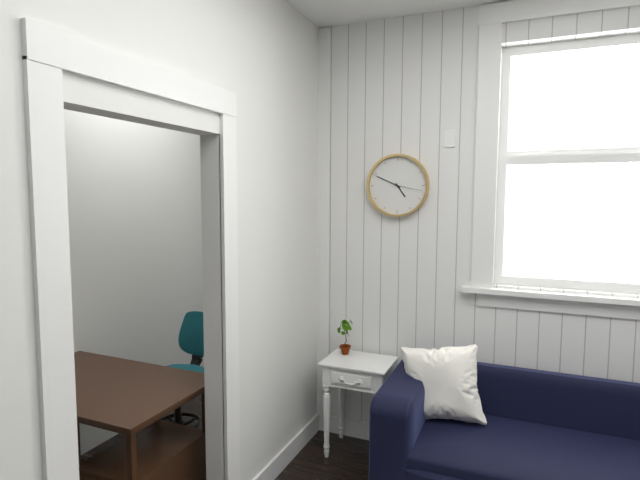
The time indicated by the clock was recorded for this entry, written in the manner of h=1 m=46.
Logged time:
h=4 m=49
